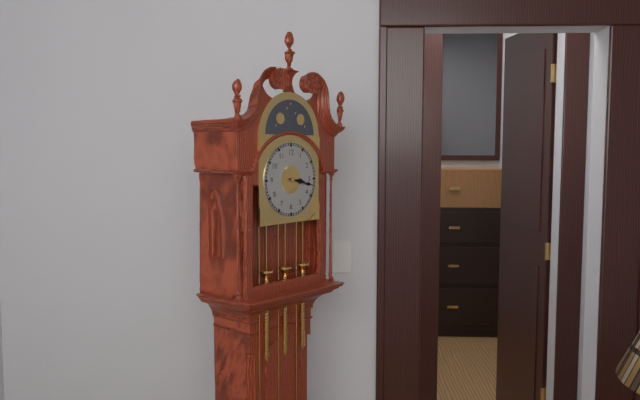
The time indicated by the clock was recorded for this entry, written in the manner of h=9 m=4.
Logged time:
h=3 m=17
